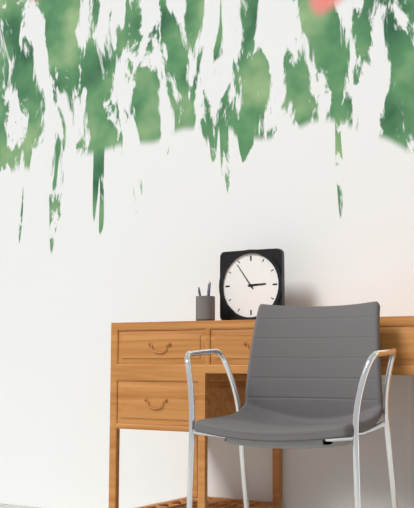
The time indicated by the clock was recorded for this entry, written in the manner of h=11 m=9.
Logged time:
h=2 m=54
